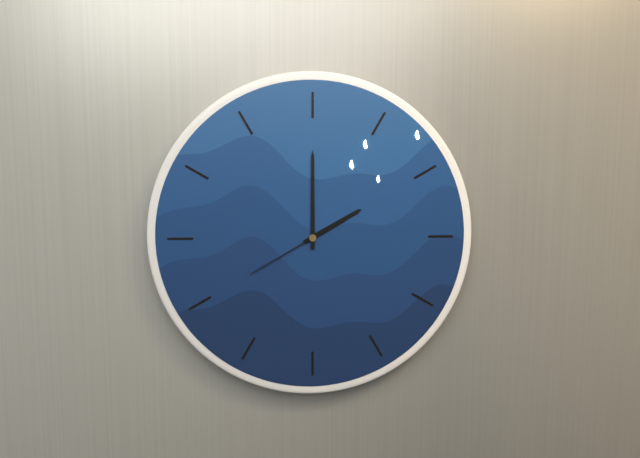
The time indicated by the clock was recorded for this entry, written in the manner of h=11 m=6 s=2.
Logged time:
h=2 m=0 s=40
